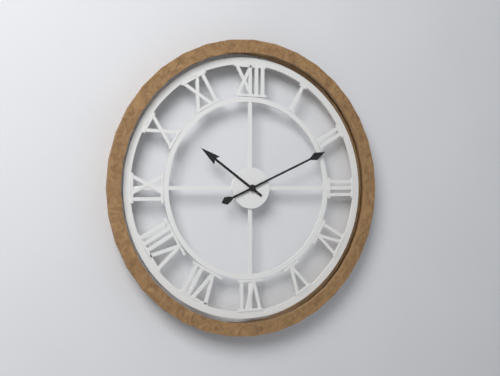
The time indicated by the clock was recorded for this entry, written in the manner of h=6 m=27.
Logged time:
h=10 m=11
